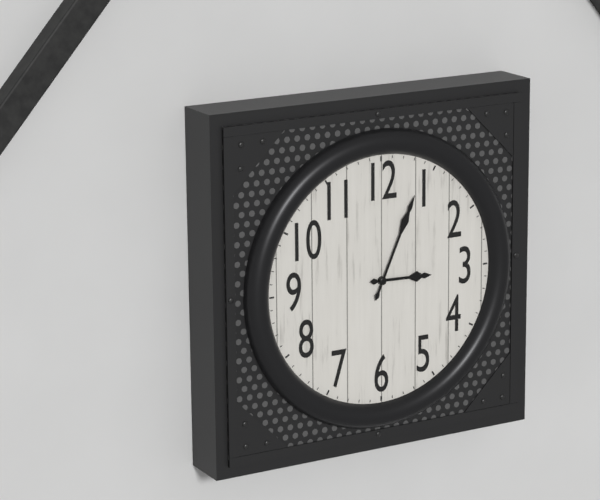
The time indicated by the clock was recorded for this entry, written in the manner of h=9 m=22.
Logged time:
h=3 m=4
